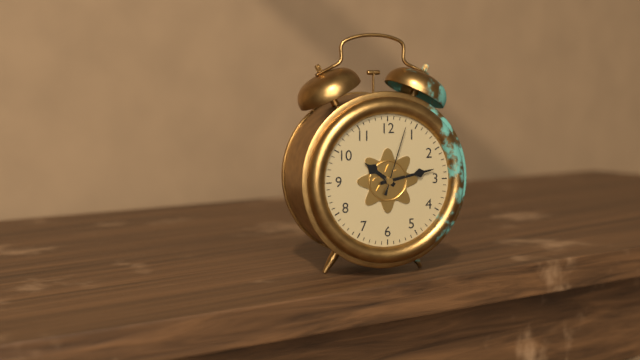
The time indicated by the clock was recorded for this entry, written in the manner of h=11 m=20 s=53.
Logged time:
h=10 m=13 s=3
